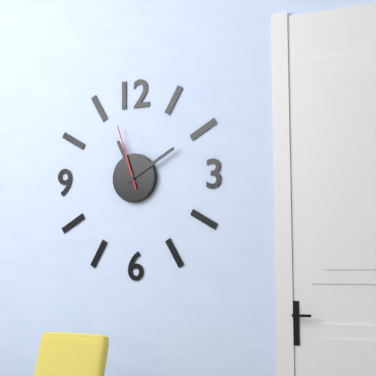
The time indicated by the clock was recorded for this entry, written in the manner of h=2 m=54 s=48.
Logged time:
h=11 m=10 s=57
